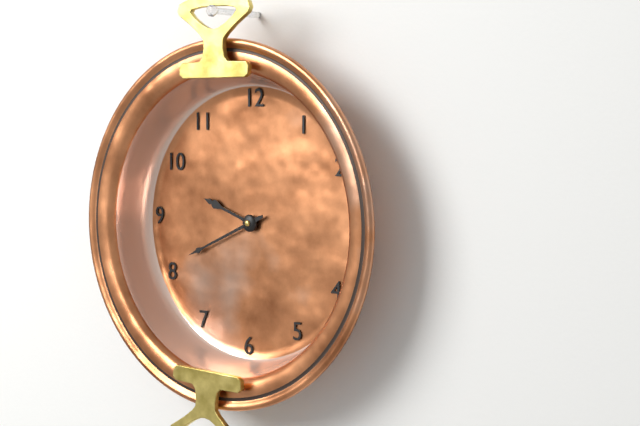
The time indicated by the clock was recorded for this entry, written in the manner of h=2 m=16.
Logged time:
h=9 m=41
